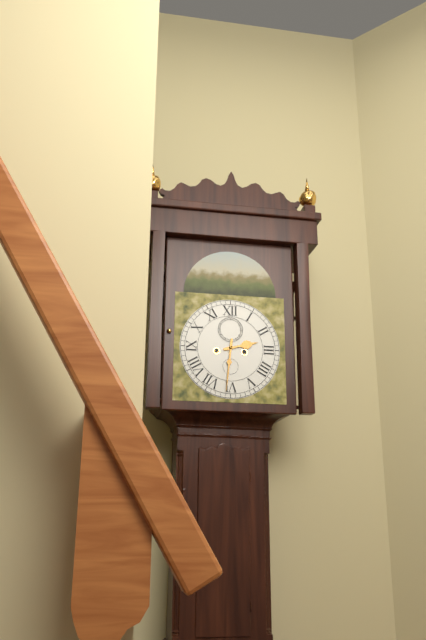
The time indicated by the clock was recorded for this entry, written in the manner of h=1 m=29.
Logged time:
h=2 m=31
